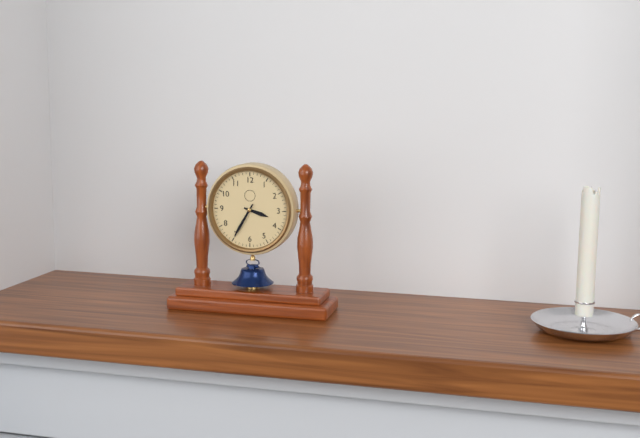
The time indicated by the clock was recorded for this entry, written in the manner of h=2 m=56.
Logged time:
h=3 m=35
